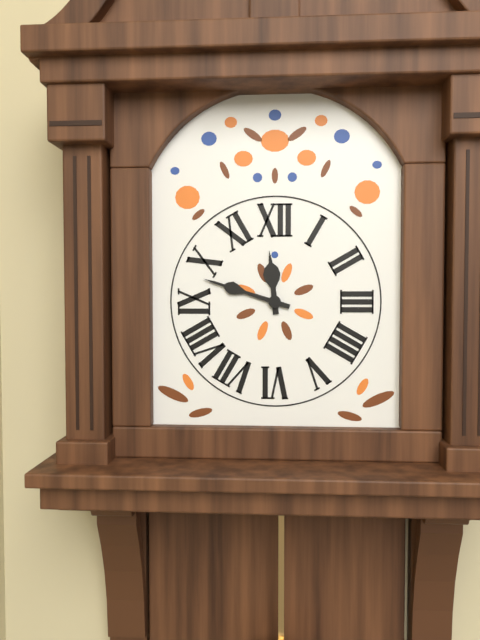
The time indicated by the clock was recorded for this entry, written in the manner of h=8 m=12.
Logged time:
h=11 m=48
